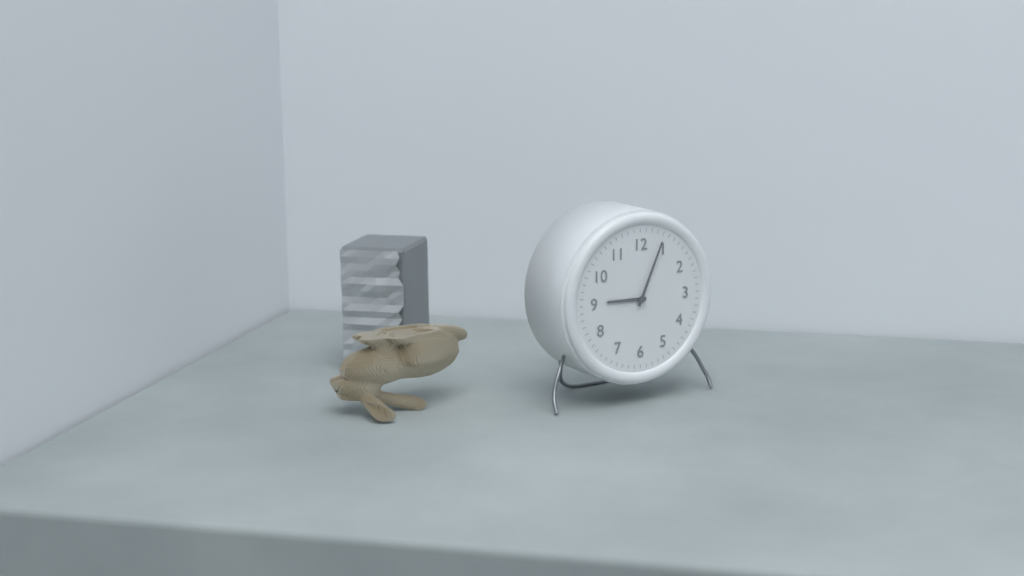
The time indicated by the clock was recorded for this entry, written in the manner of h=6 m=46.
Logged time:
h=9 m=4
